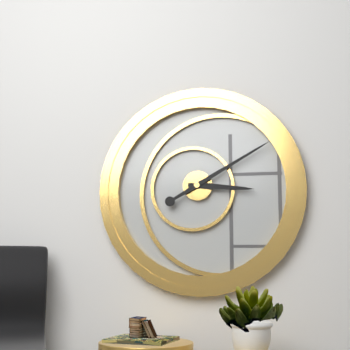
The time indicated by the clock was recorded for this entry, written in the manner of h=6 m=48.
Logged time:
h=3 m=10
